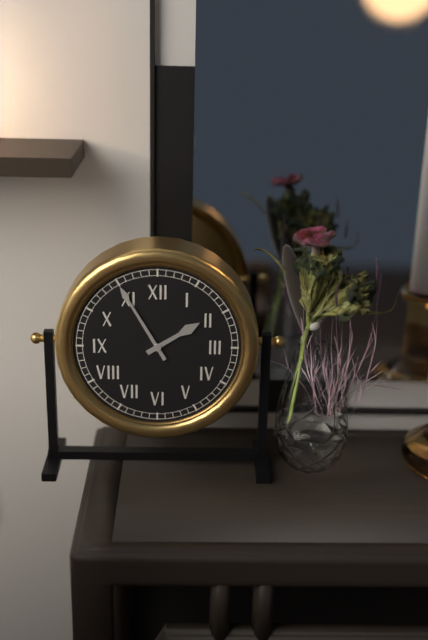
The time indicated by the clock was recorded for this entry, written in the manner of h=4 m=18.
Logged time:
h=1 m=55
